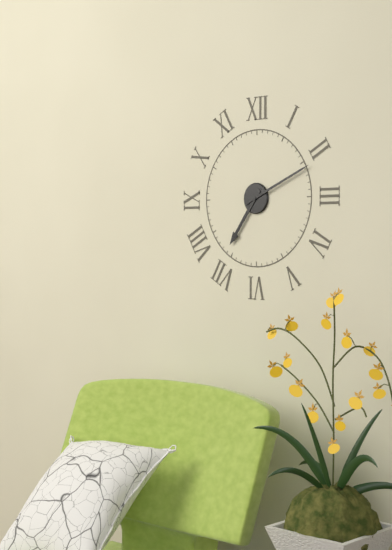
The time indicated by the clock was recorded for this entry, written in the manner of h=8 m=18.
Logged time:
h=7 m=11
